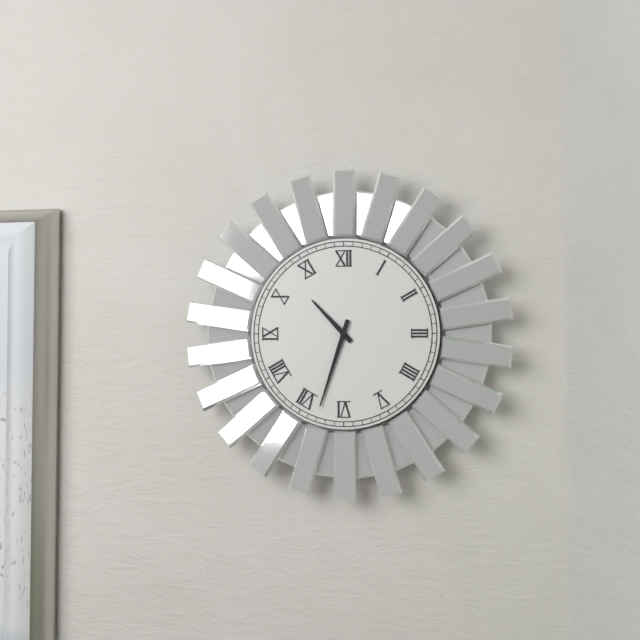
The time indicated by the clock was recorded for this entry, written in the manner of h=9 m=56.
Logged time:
h=10 m=33
